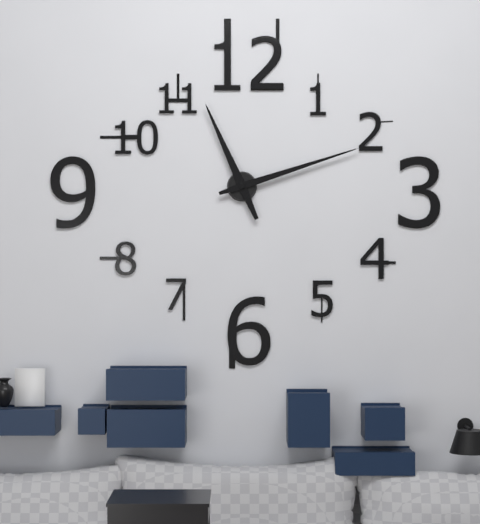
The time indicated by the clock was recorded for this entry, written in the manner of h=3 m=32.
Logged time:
h=11 m=12
